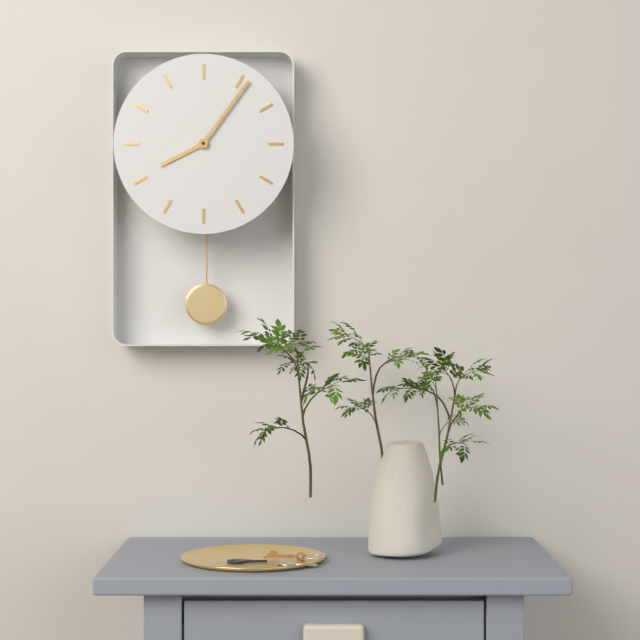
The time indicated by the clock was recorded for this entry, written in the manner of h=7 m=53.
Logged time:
h=8 m=6
